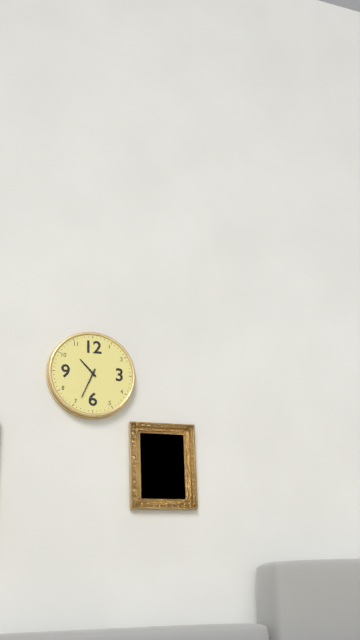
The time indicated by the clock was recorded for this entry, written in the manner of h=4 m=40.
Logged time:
h=10 m=34
